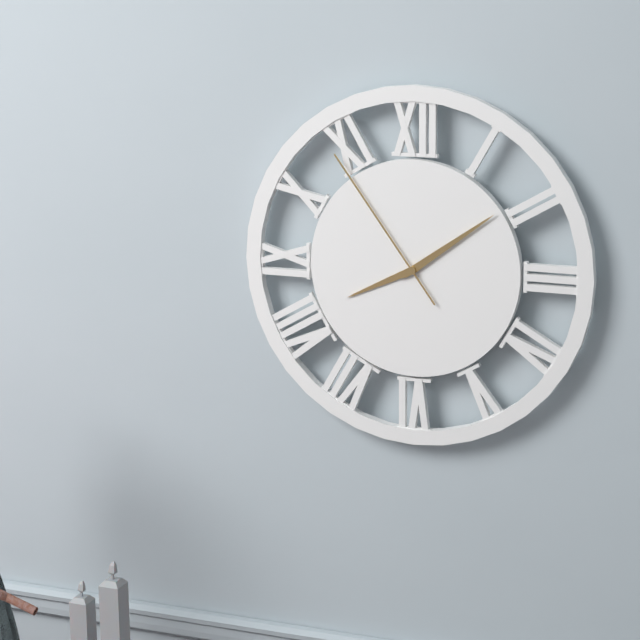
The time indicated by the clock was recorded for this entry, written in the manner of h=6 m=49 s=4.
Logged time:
h=8 m=9 s=54
